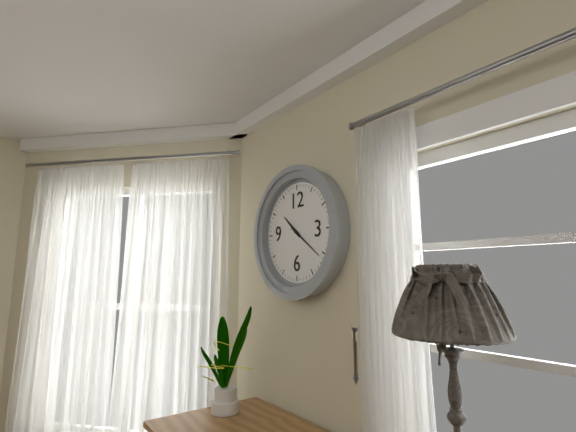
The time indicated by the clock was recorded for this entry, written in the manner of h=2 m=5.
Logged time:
h=10 m=21
